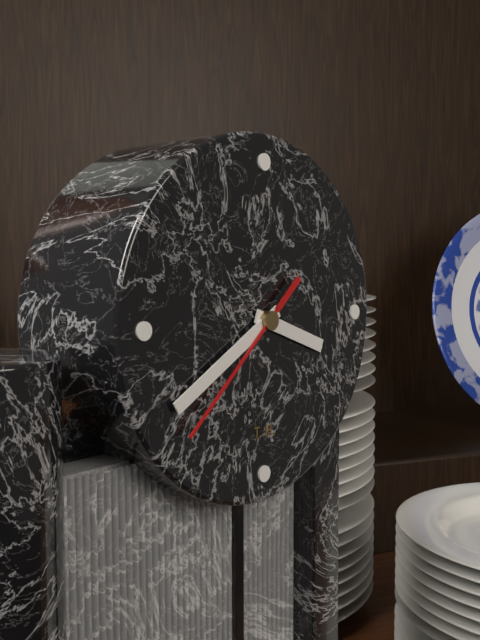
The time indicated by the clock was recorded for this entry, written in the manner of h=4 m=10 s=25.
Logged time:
h=3 m=40 s=38
